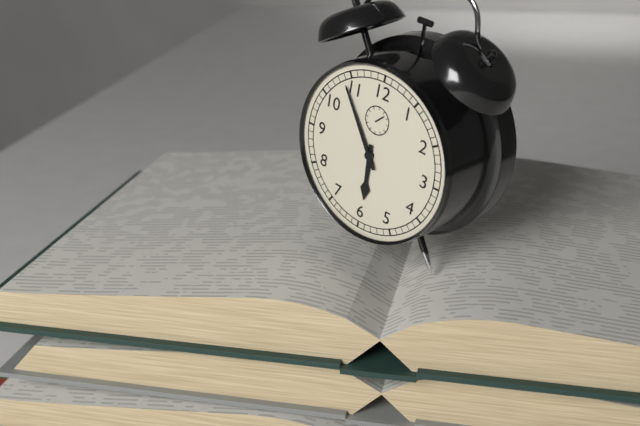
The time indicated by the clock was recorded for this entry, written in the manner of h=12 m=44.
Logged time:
h=5 m=54
